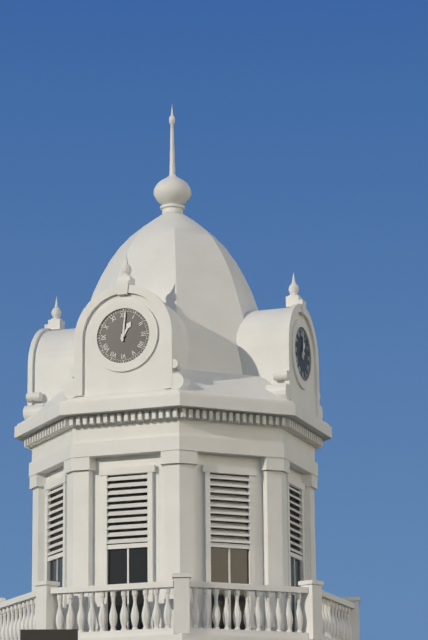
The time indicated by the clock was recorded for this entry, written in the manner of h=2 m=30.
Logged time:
h=1 m=1
